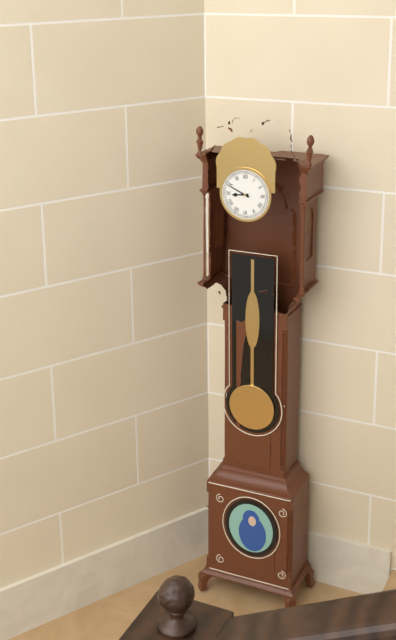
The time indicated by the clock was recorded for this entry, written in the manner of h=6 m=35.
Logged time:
h=8 m=49
